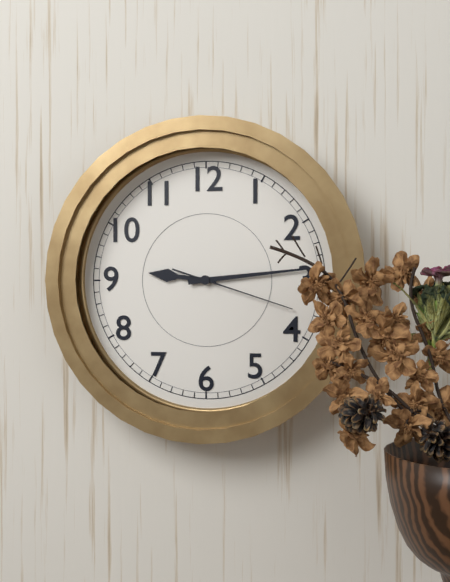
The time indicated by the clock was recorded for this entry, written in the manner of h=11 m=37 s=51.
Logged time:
h=9 m=14 s=18
